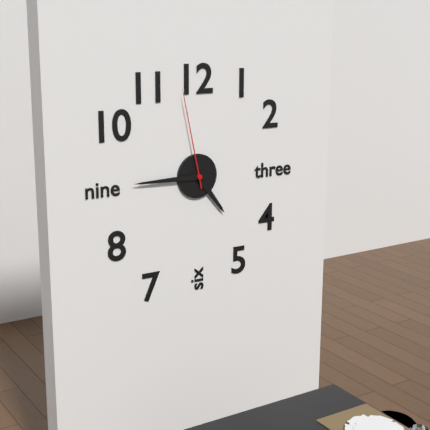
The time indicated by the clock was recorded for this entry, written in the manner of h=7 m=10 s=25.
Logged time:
h=4 m=45 s=58
